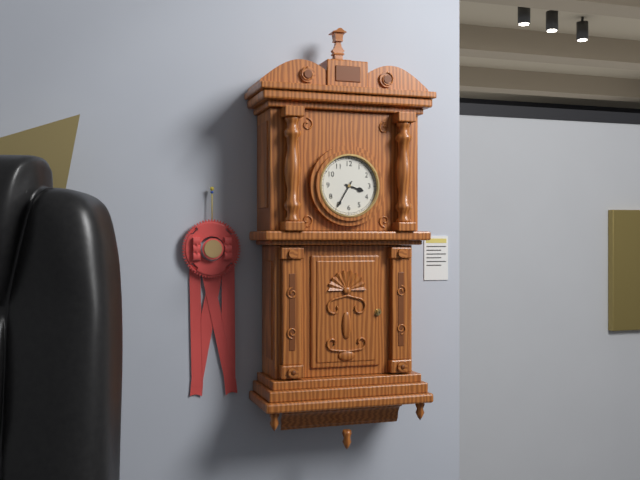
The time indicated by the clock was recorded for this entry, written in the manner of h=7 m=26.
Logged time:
h=3 m=35
